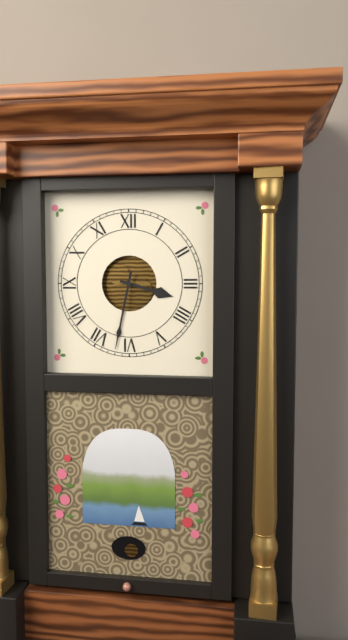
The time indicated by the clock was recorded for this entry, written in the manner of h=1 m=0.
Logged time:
h=3 m=32
